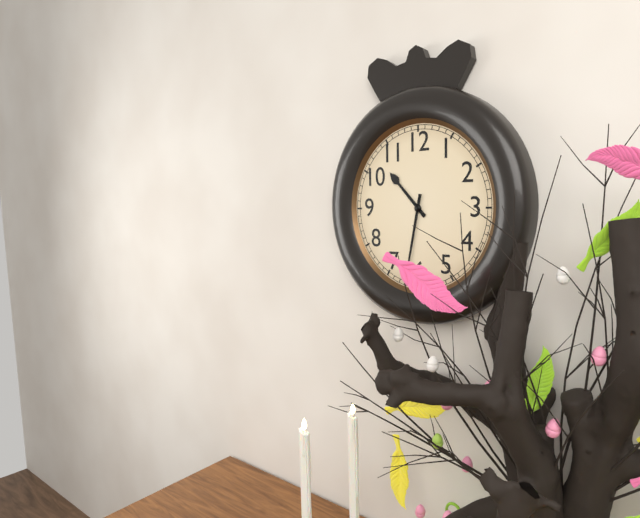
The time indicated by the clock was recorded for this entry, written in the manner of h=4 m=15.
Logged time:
h=10 m=32
